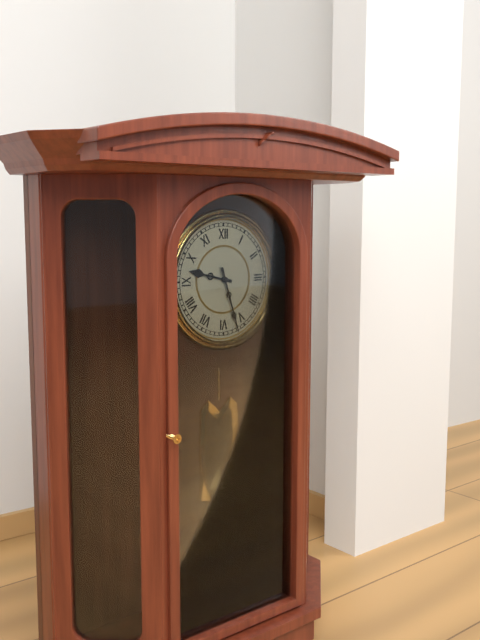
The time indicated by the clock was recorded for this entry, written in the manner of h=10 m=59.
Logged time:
h=9 m=27
